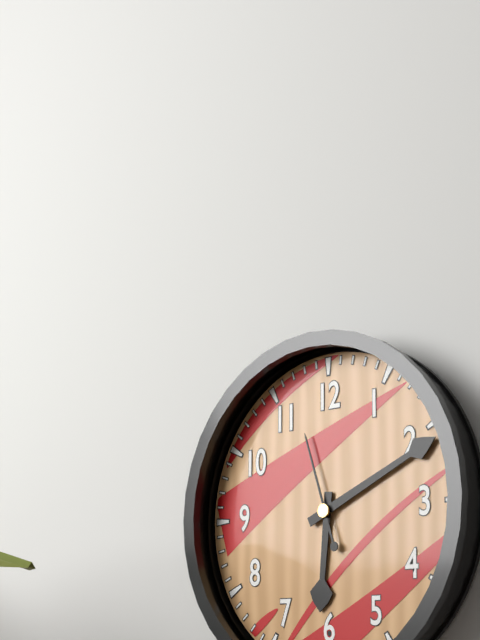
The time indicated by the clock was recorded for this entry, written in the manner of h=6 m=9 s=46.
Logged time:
h=6 m=11 s=57
